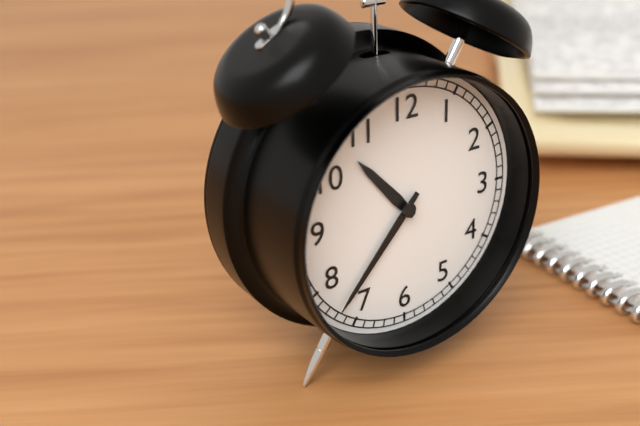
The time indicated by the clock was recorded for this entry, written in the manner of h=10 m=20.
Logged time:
h=10 m=37
